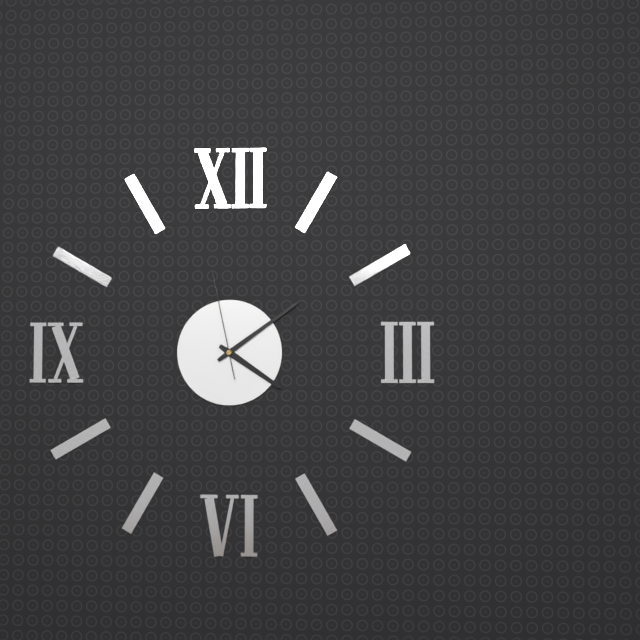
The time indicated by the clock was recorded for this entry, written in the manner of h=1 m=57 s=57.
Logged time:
h=4 m=9 s=58
